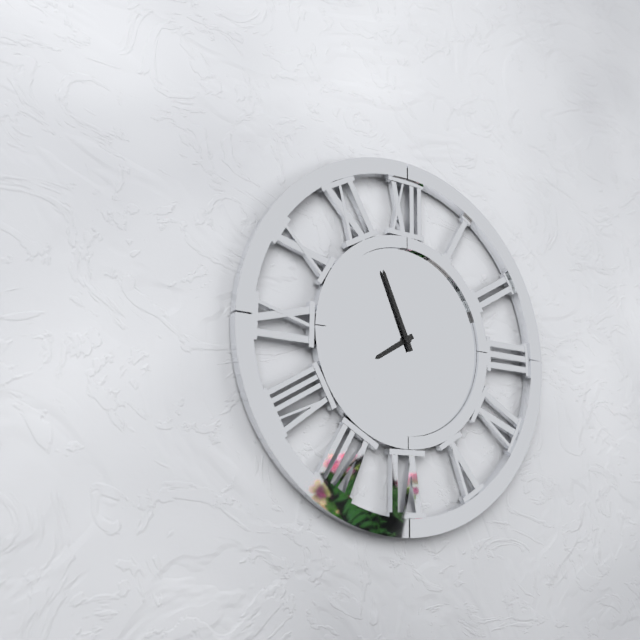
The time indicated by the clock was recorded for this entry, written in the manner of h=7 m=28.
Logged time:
h=7 m=56
